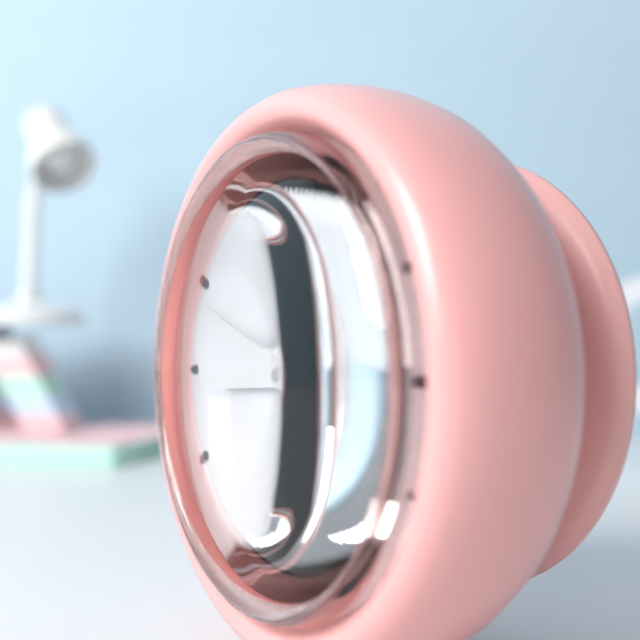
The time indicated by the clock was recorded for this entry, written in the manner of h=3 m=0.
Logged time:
h=8 m=49
